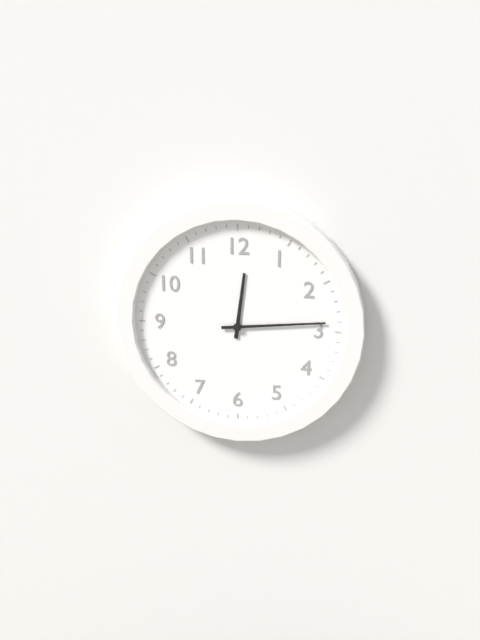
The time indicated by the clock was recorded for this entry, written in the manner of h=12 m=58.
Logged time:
h=12 m=14
